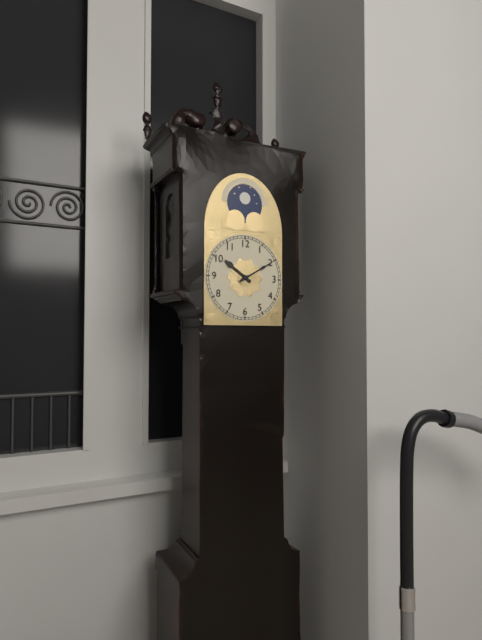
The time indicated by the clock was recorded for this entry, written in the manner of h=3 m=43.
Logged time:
h=10 m=10
